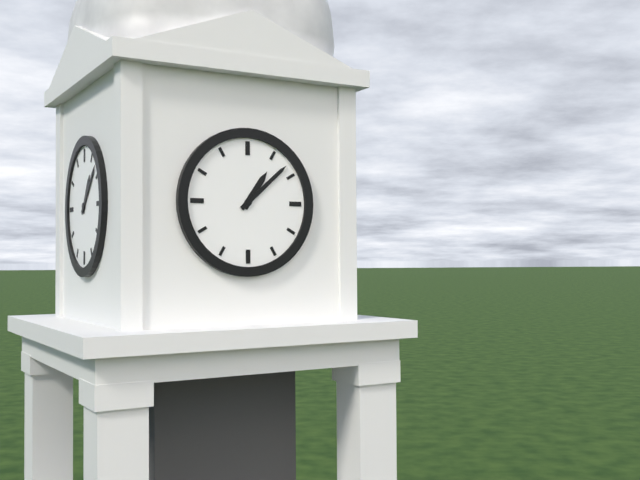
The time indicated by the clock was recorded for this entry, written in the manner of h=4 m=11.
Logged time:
h=1 m=8
